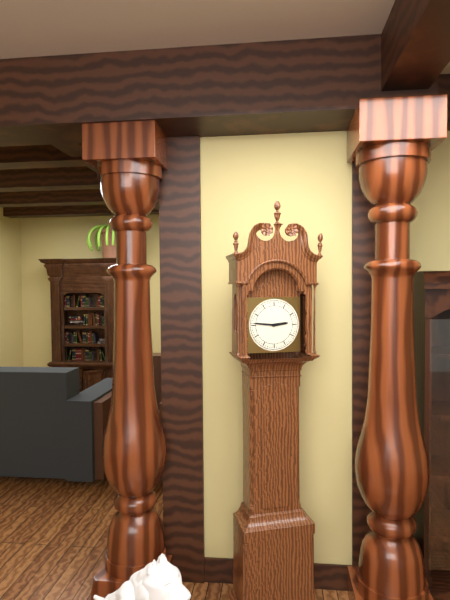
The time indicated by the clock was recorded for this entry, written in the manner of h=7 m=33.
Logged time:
h=2 m=46
